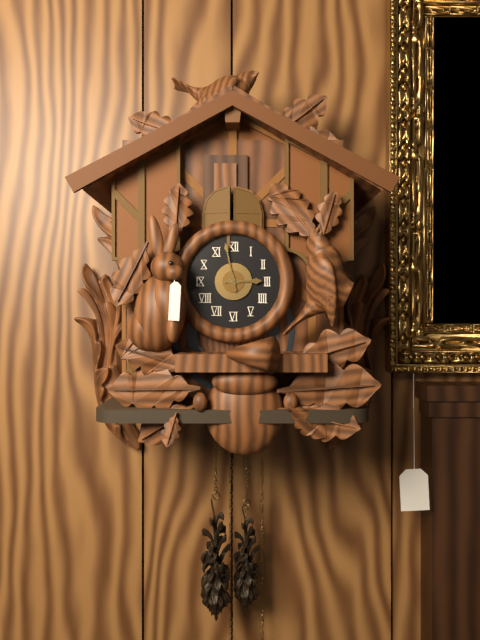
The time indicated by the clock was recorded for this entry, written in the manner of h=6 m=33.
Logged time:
h=2 m=58
